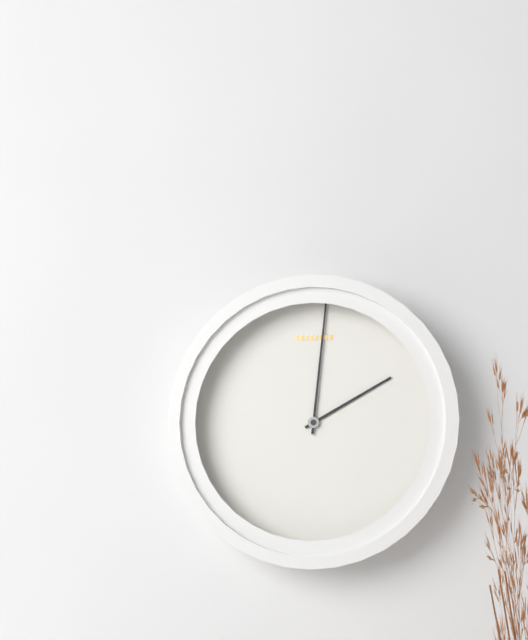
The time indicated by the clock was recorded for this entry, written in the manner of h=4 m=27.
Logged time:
h=2 m=1
